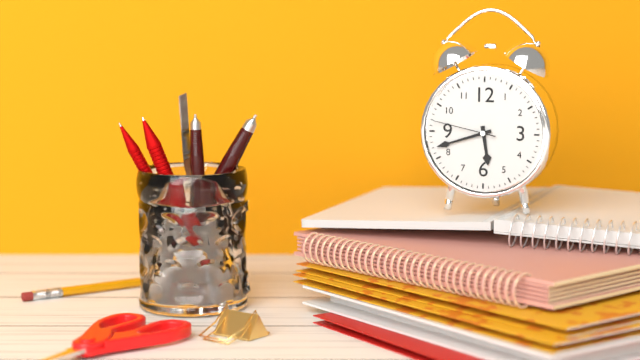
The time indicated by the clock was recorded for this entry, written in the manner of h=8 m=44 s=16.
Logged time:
h=5 m=42 s=47
